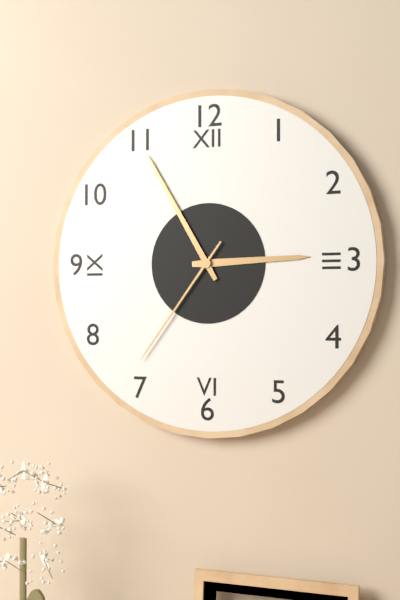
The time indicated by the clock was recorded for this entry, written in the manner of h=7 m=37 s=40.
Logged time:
h=2 m=55 s=36
